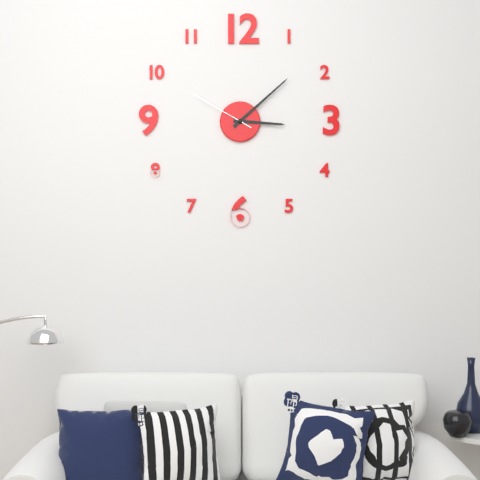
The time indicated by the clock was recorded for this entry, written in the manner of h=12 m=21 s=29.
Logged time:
h=3 m=8 s=50
